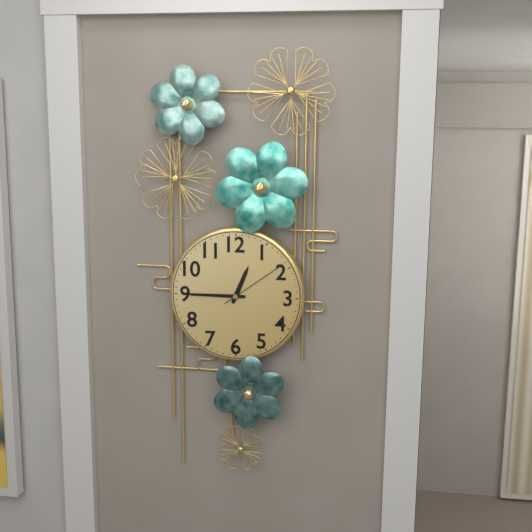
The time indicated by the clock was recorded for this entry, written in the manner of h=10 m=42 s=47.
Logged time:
h=12 m=45 s=9
